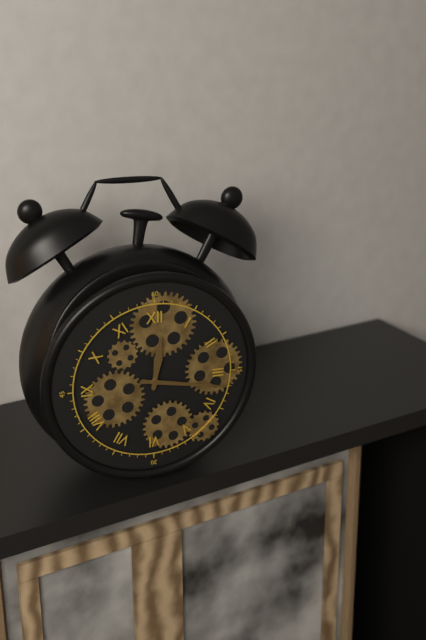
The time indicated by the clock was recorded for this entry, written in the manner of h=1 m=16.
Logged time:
h=12 m=17
